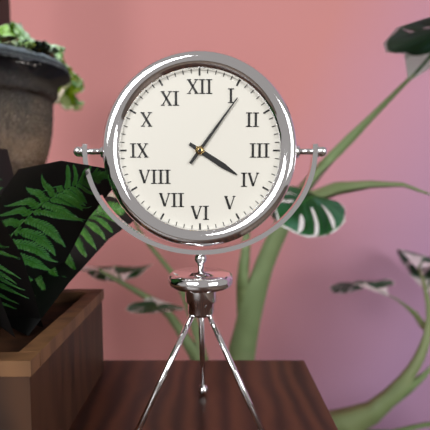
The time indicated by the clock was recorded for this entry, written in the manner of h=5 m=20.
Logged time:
h=4 m=6
